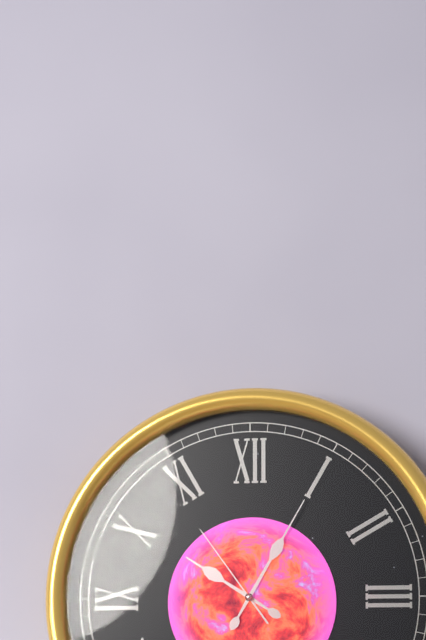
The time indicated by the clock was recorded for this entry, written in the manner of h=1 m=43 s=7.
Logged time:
h=10 m=5 s=54
